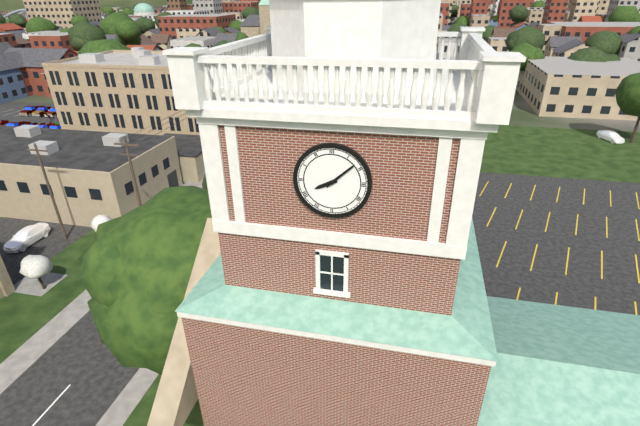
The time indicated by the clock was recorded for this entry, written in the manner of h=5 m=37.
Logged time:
h=8 m=8
